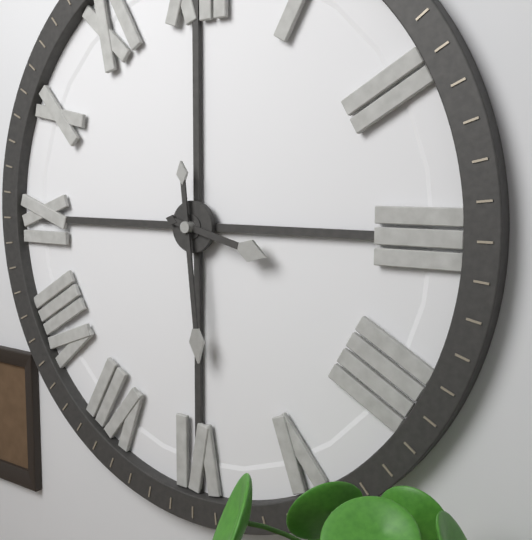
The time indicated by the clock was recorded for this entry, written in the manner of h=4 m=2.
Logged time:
h=3 m=29
